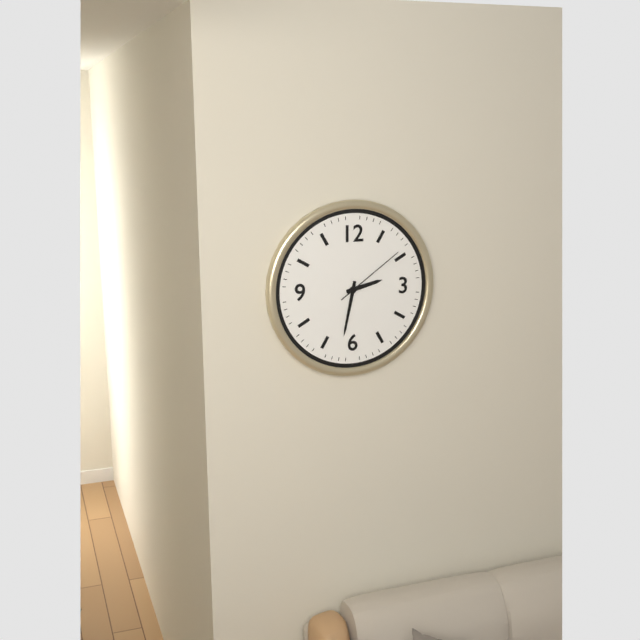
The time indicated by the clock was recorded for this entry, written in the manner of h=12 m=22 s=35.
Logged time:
h=2 m=32 s=9
